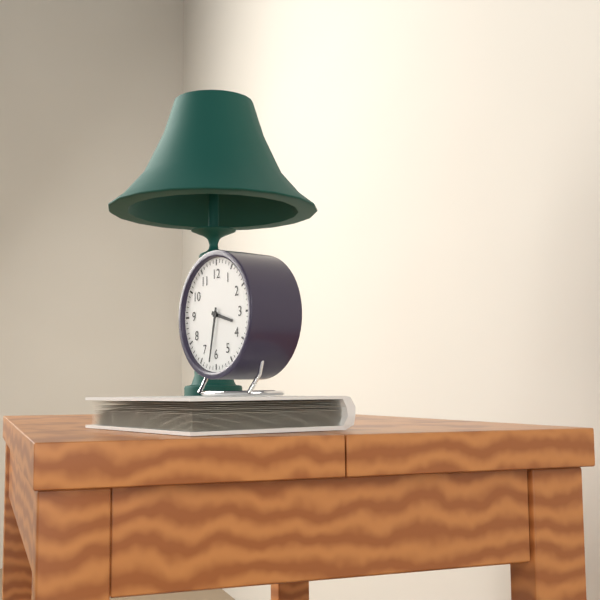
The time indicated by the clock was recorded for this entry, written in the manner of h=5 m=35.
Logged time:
h=3 m=32
